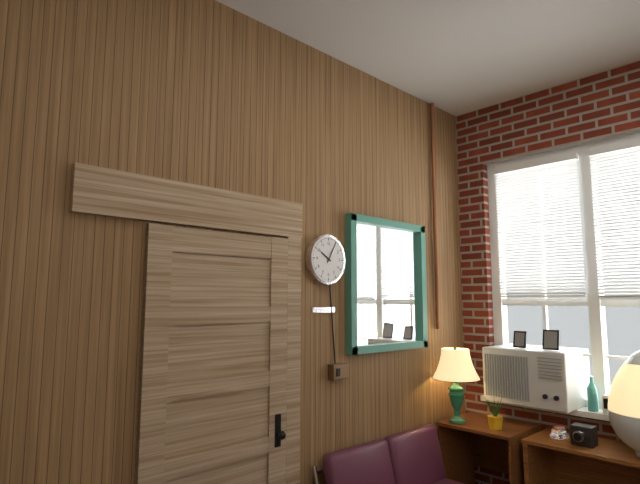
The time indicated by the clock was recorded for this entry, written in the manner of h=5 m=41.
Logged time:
h=10 m=5
